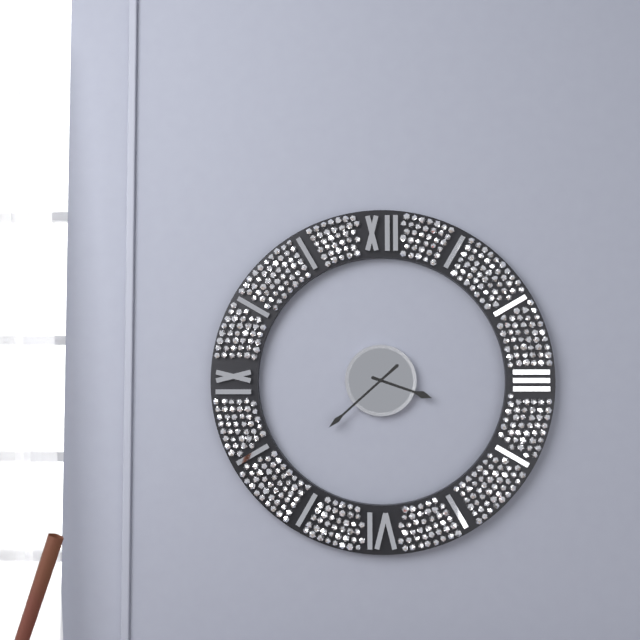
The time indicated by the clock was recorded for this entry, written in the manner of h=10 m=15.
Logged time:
h=3 m=38
